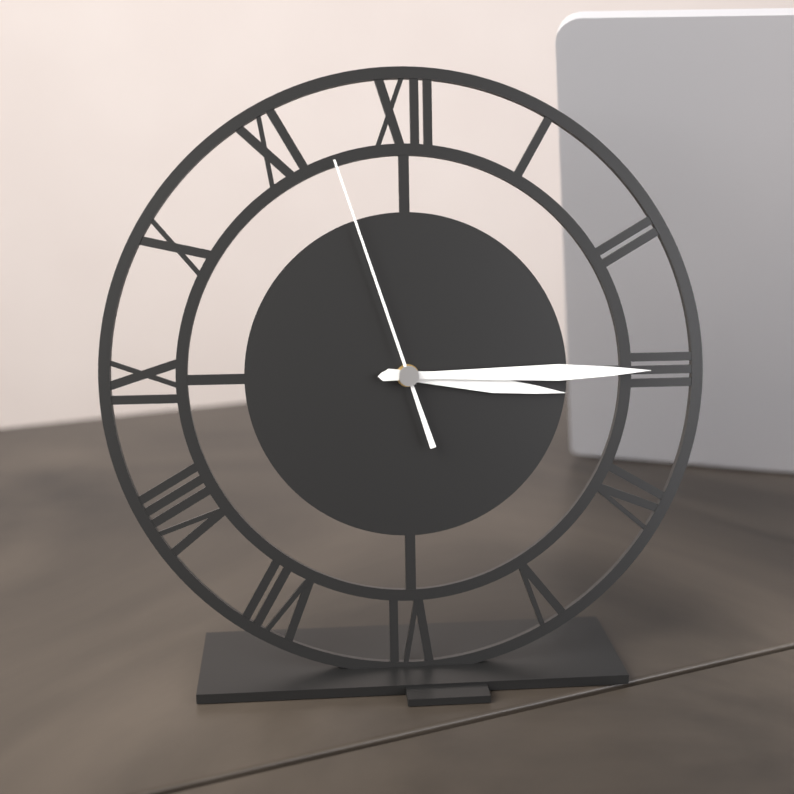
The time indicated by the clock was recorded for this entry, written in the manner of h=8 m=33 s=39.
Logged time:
h=3 m=15 s=57
